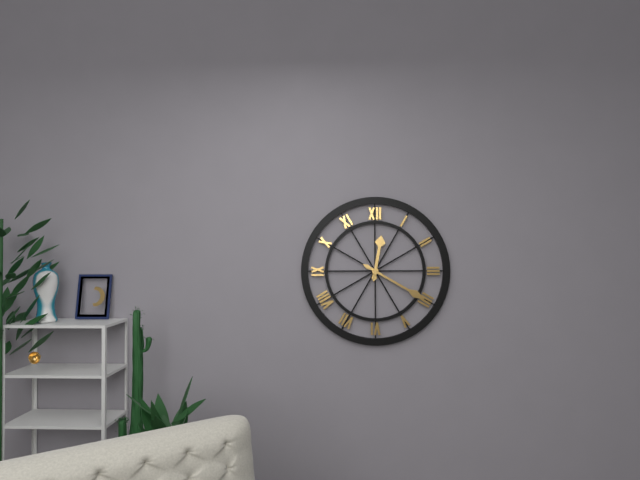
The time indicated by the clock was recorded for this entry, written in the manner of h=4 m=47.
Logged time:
h=12 m=20
